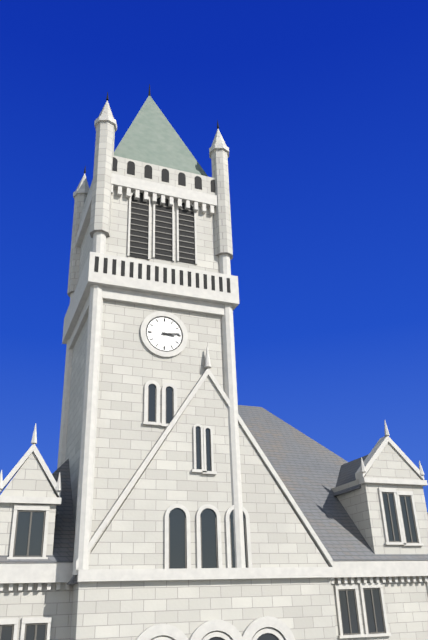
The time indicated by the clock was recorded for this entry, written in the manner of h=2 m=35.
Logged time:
h=3 m=14
